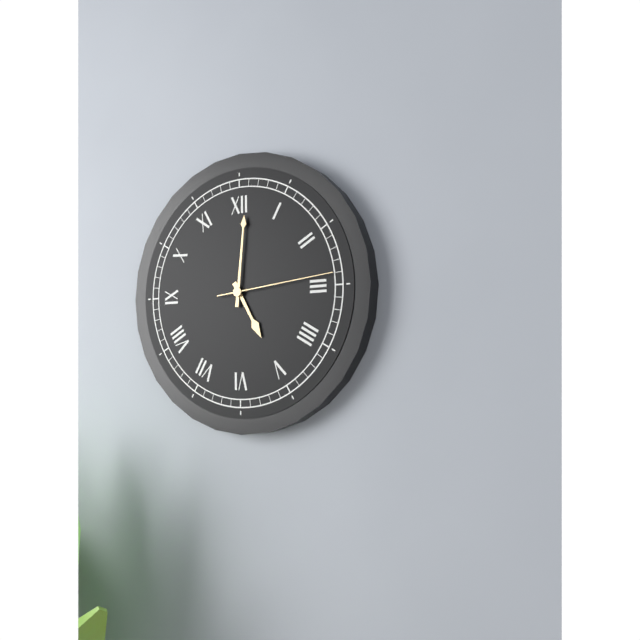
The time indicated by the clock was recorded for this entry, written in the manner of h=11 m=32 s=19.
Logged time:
h=5 m=1 s=14
